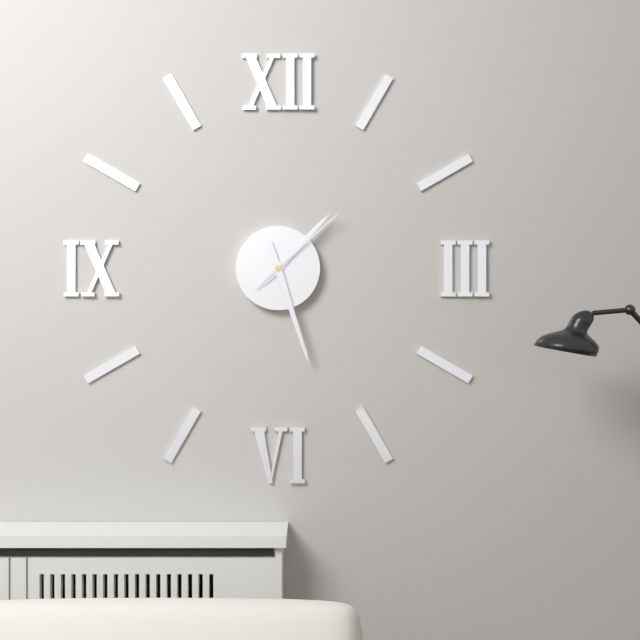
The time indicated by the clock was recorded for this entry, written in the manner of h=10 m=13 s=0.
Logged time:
h=1 m=27 s=8
